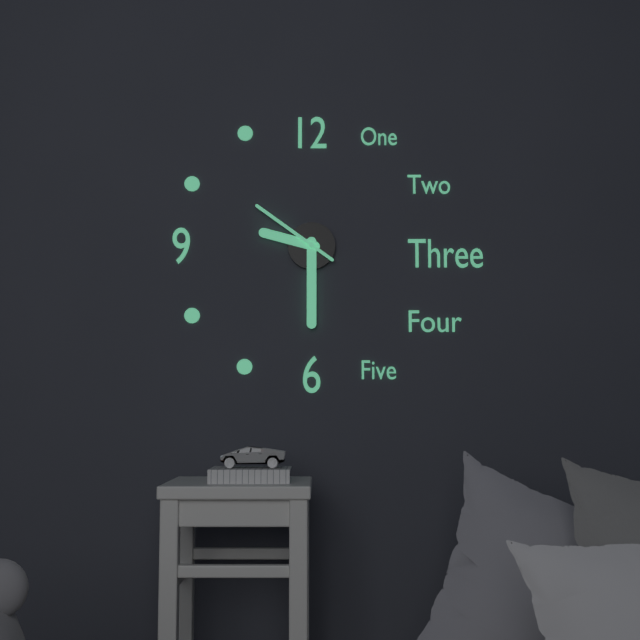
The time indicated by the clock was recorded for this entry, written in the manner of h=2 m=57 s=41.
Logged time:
h=9 m=30 s=51
